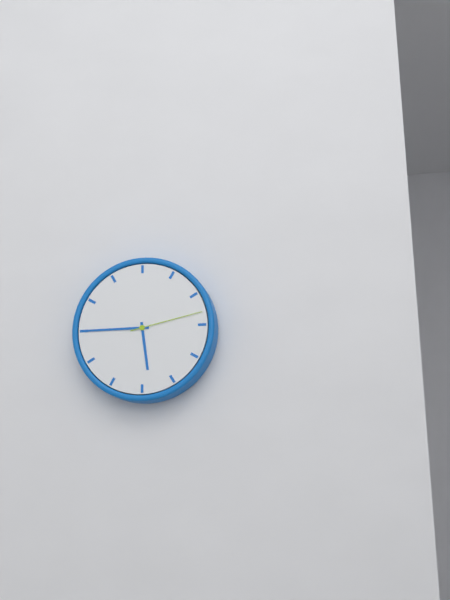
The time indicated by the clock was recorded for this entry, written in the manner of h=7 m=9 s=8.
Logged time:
h=5 m=45 s=13
